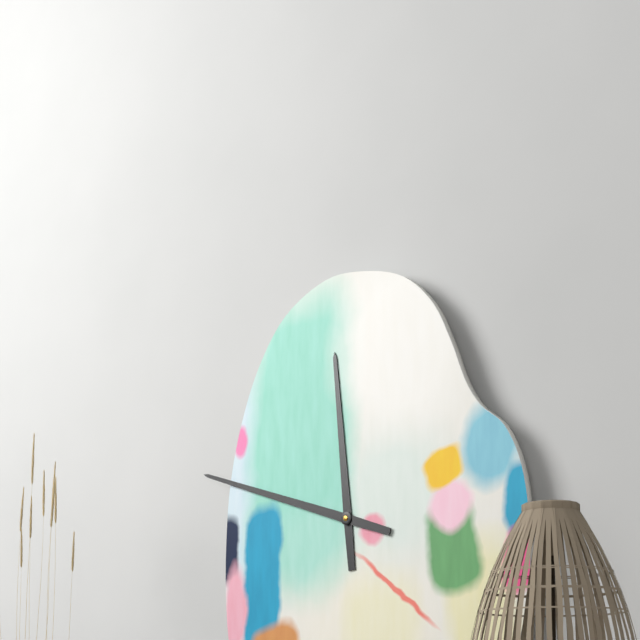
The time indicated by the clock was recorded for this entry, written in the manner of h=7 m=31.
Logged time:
h=11 m=48
